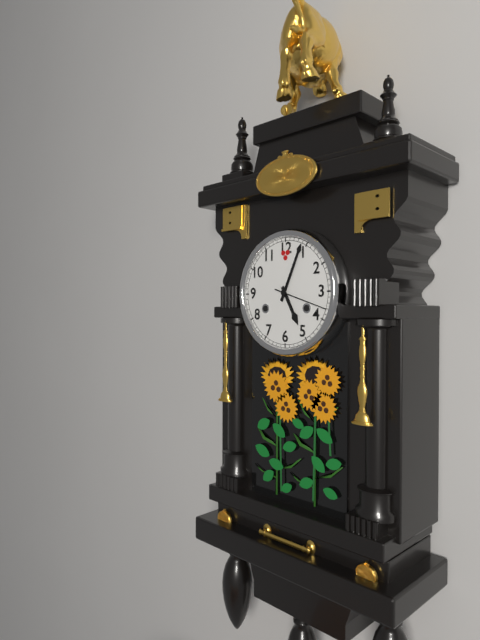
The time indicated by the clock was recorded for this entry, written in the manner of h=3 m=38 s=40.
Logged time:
h=5 m=4 s=18
